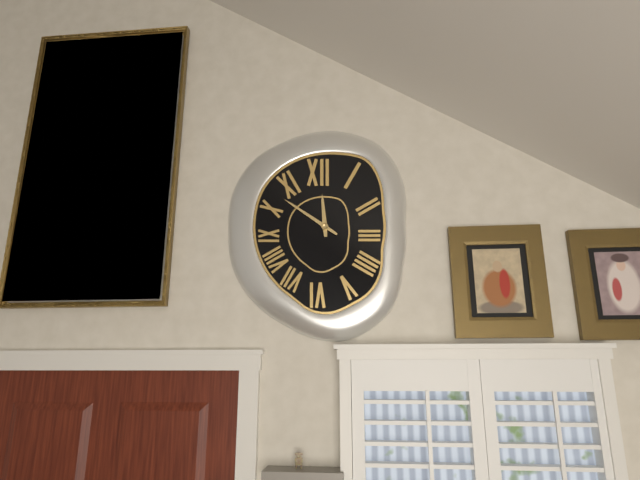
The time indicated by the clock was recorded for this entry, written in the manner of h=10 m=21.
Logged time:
h=11 m=51
